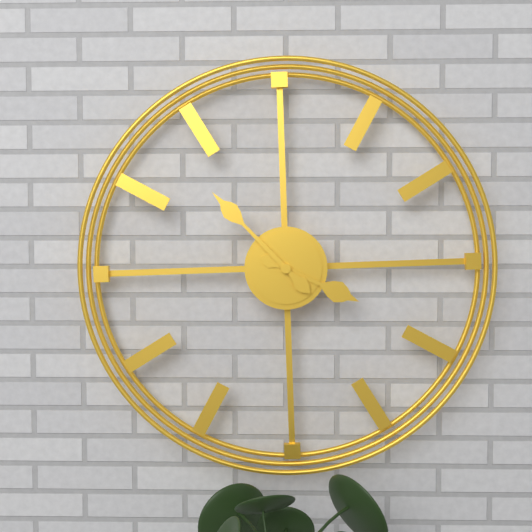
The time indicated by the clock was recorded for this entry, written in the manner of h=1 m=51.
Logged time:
h=3 m=53
